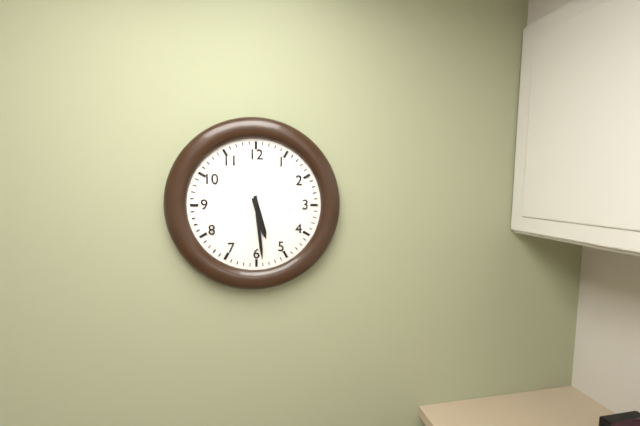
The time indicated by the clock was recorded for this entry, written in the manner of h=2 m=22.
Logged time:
h=5 m=29
